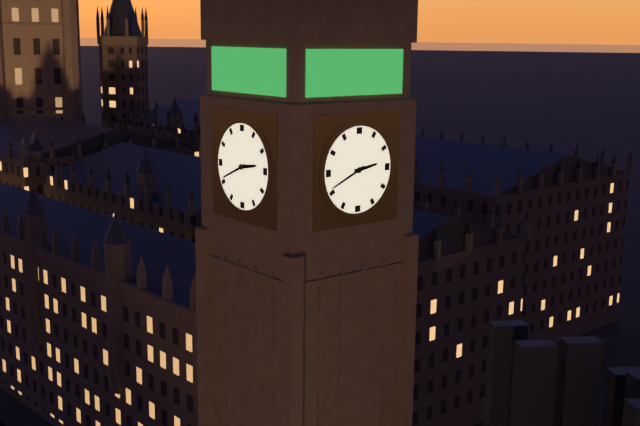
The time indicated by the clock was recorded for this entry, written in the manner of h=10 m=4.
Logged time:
h=2 m=41
